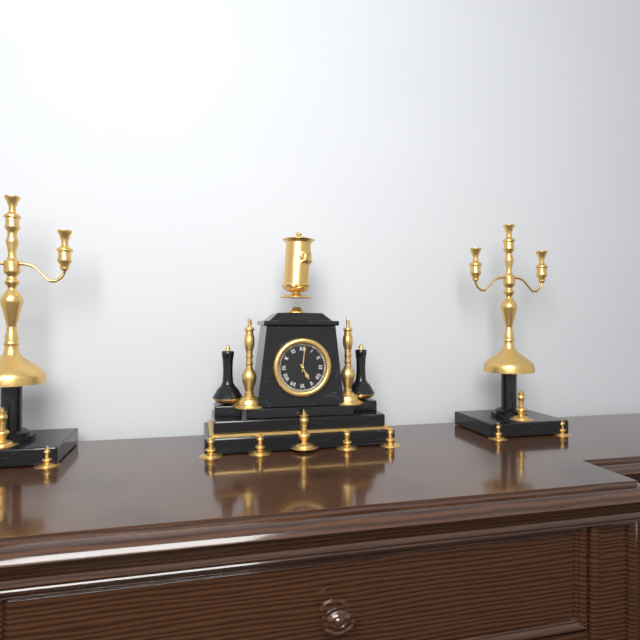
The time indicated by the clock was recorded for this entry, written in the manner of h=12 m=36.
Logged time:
h=5 m=1
